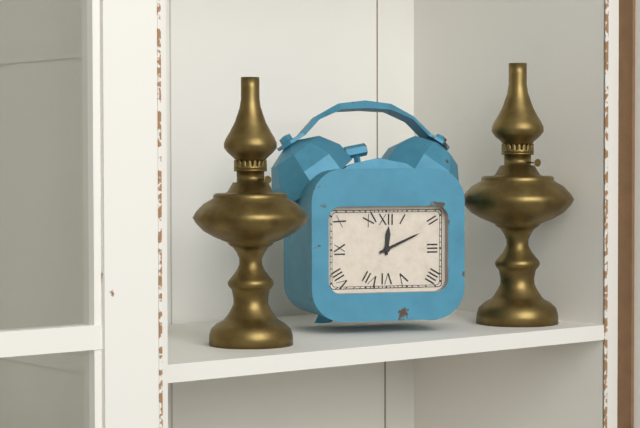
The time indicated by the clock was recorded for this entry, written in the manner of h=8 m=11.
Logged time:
h=12 m=11
